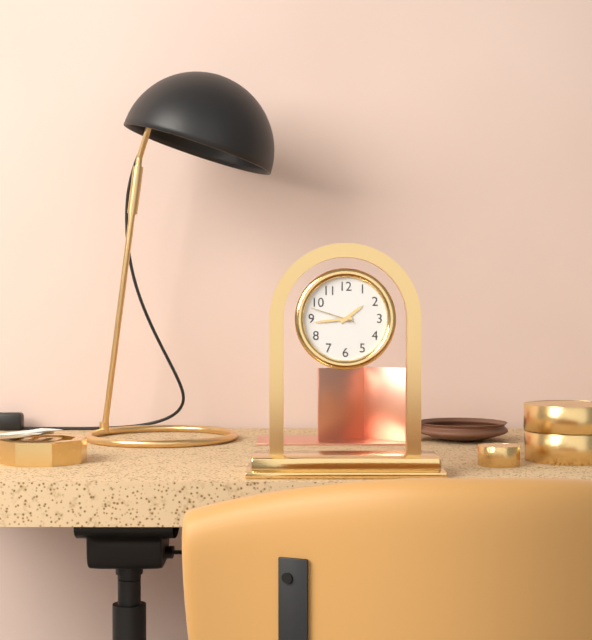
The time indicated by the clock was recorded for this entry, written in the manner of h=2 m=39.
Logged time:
h=1 m=44
